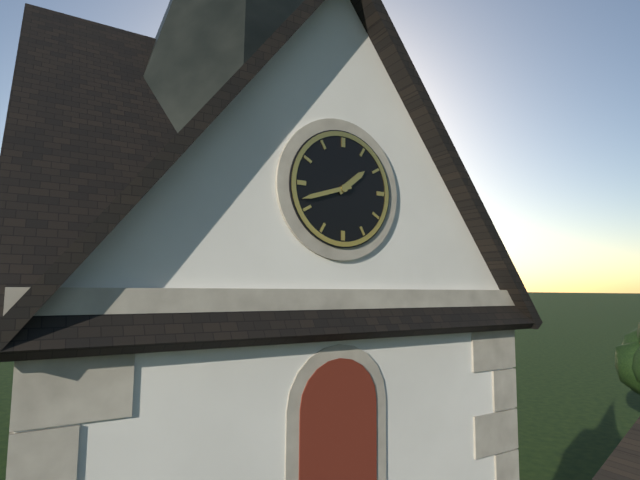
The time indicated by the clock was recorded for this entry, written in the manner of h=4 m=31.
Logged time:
h=1 m=42
